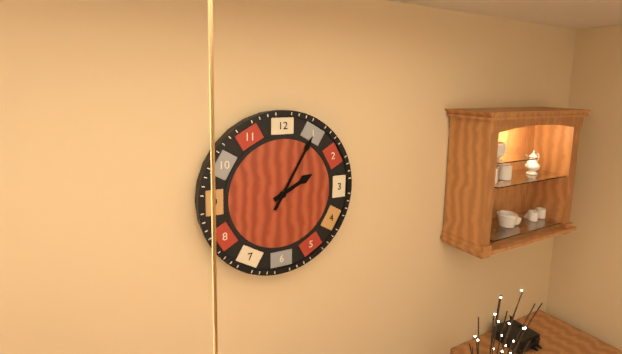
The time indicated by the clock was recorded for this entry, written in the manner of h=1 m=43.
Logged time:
h=2 m=5
